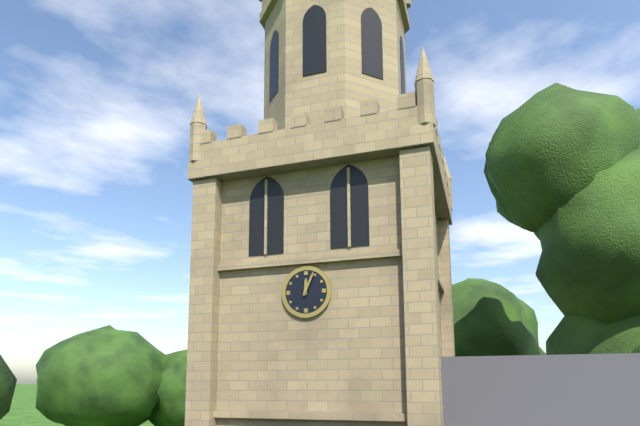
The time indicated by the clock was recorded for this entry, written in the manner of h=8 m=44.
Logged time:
h=12 m=4
